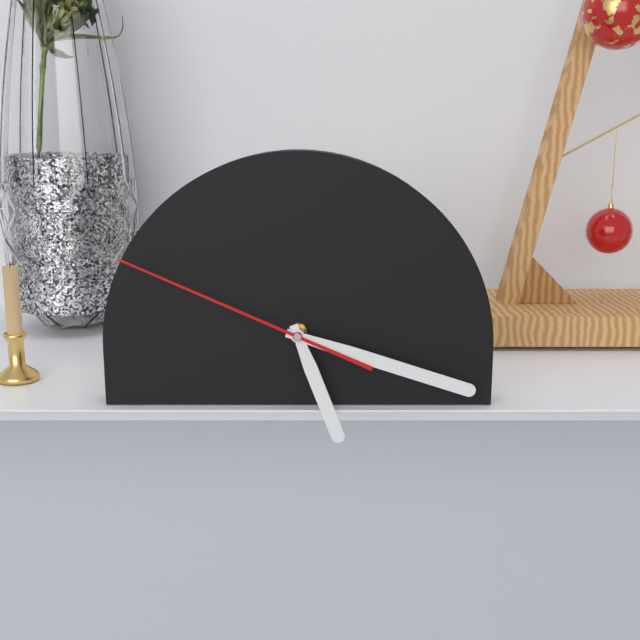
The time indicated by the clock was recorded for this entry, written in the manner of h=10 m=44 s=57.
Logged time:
h=5 m=18 s=49
